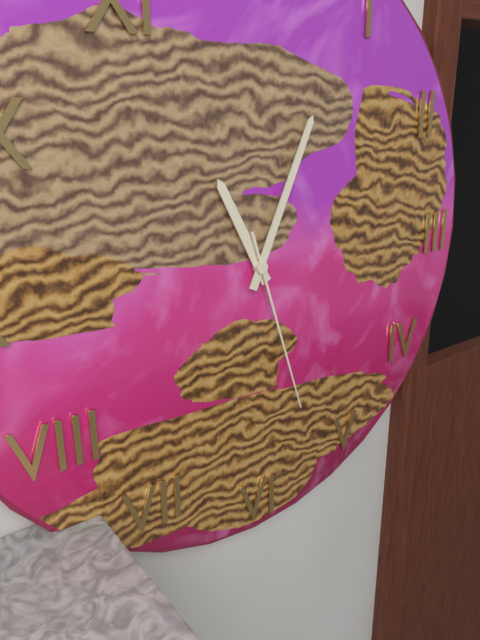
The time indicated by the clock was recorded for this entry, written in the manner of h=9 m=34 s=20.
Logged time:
h=11 m=4 s=27
